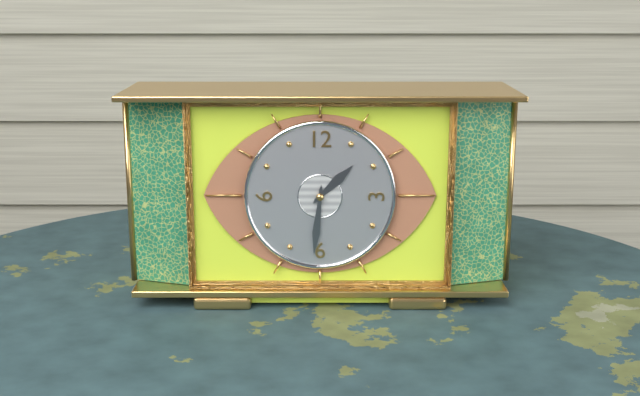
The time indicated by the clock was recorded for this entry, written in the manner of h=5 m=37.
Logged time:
h=1 m=31
